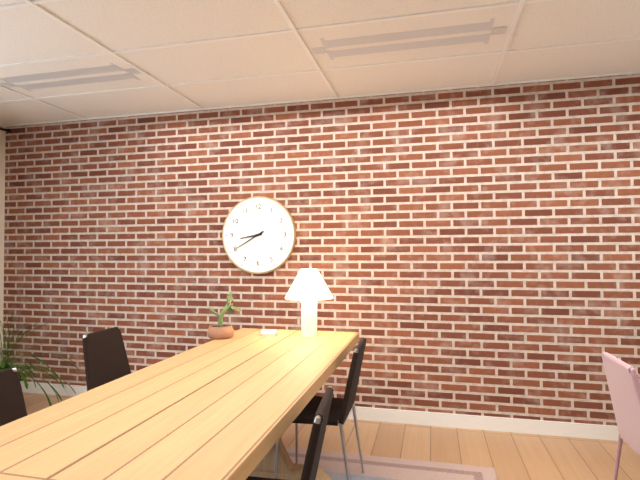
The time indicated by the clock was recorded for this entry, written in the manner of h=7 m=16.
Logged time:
h=8 m=40
